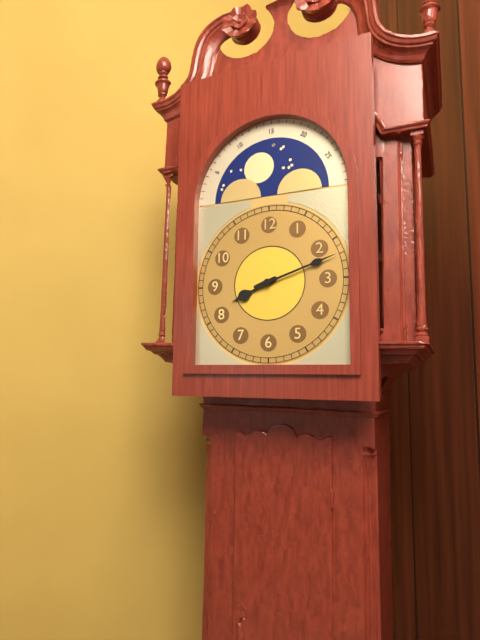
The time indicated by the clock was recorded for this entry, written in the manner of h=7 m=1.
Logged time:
h=8 m=12
